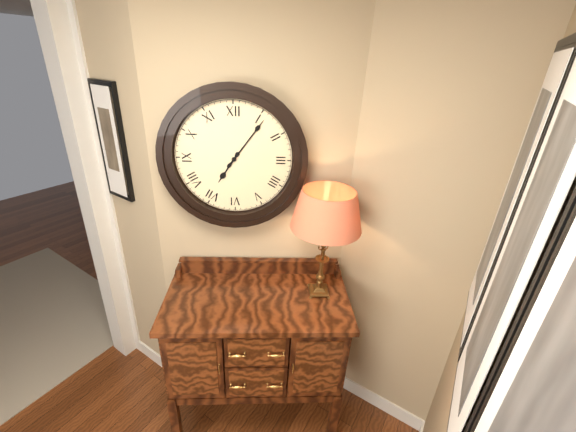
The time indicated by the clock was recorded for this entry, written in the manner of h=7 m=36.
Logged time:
h=7 m=6
